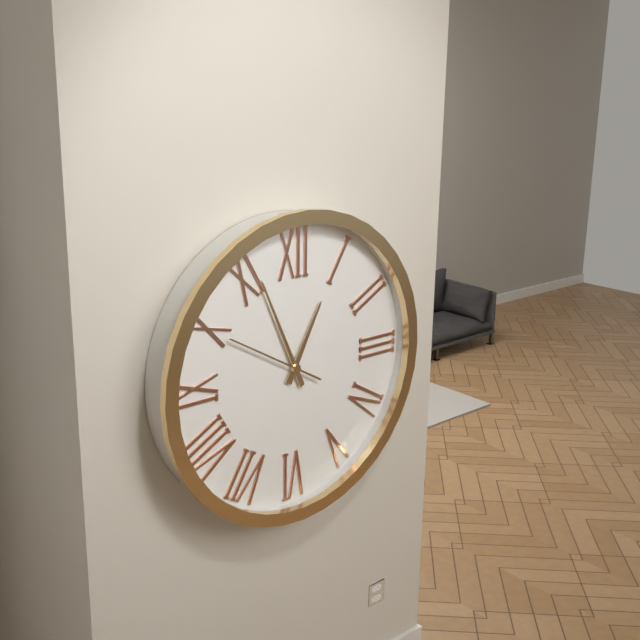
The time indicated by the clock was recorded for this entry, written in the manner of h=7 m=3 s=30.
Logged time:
h=12 m=56 s=50
